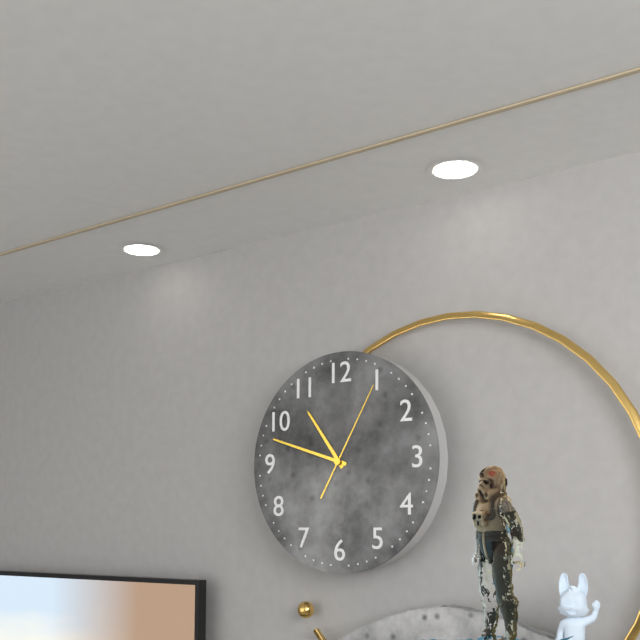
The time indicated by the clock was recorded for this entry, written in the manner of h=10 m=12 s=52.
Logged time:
h=10 m=48 s=5
